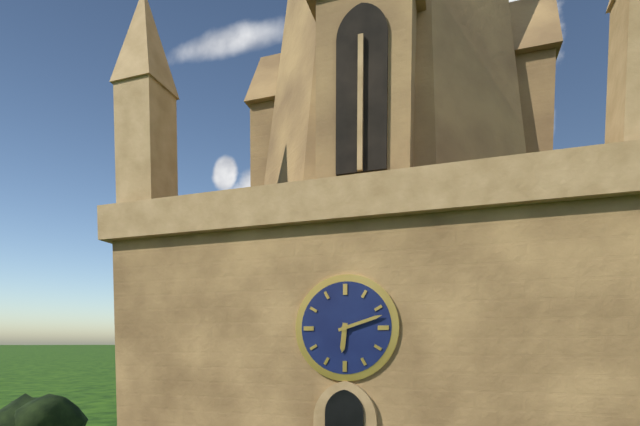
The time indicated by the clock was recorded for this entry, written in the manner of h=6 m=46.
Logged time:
h=6 m=12
